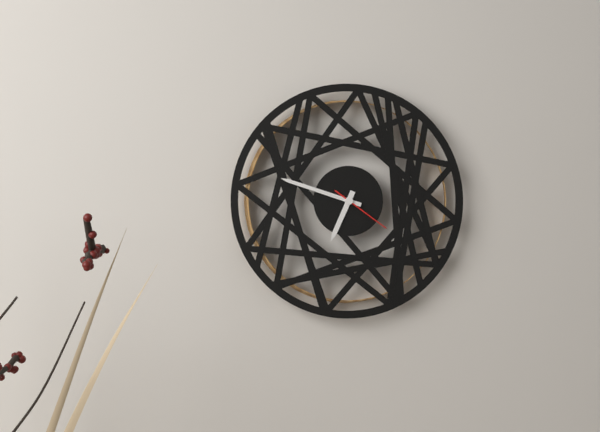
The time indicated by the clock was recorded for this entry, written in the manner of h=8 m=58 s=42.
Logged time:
h=6 m=48 s=21
